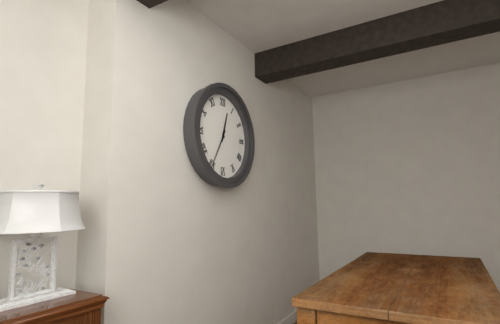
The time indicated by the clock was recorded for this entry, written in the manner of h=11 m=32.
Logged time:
h=12 m=35
